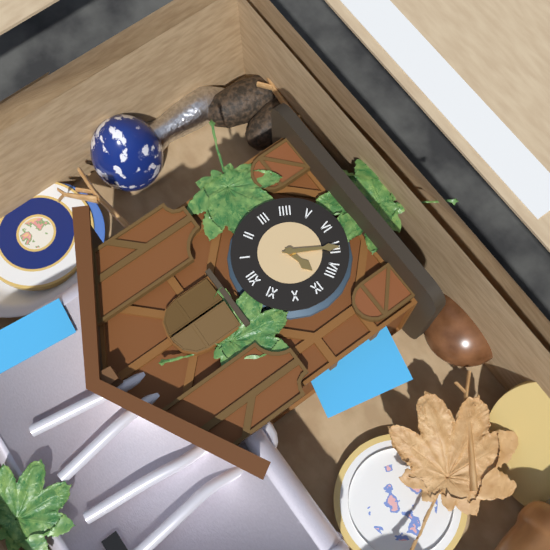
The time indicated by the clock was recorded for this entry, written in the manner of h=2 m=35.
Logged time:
h=8 m=35
